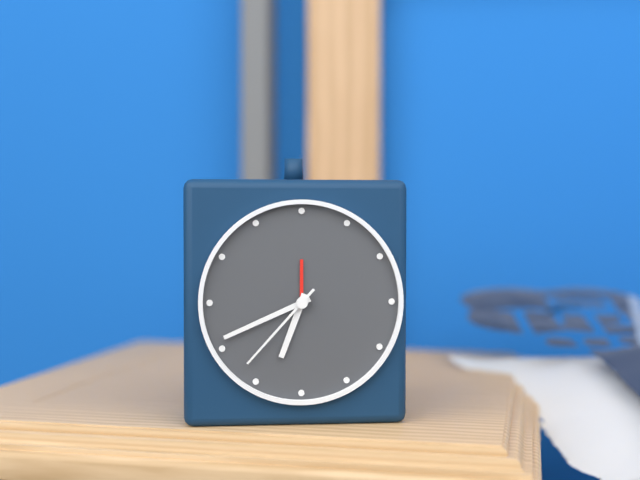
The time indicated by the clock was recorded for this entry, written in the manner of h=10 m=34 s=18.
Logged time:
h=6 m=41 s=37
